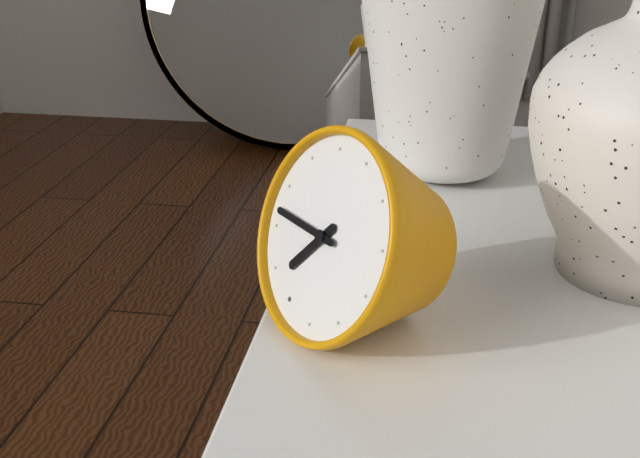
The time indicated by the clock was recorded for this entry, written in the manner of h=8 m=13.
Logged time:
h=6 m=42
